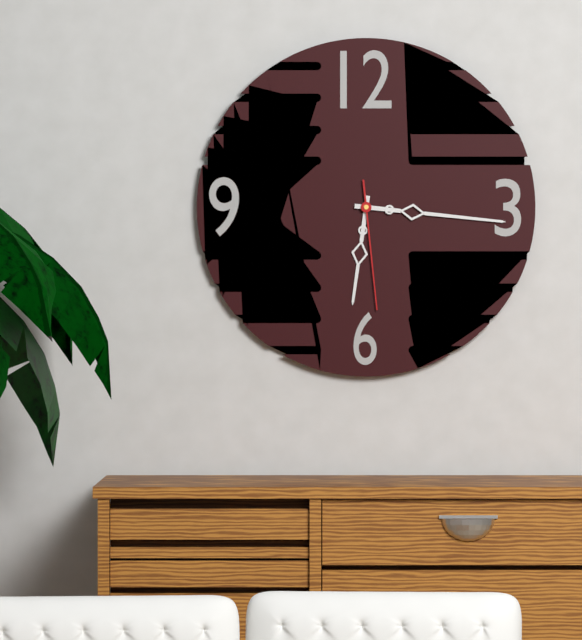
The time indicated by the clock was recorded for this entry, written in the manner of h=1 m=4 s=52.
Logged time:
h=6 m=16 s=29
